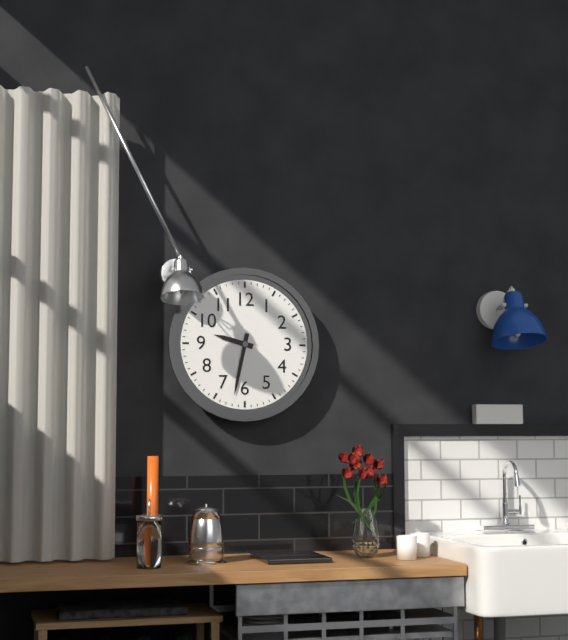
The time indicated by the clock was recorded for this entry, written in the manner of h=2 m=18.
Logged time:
h=9 m=32
